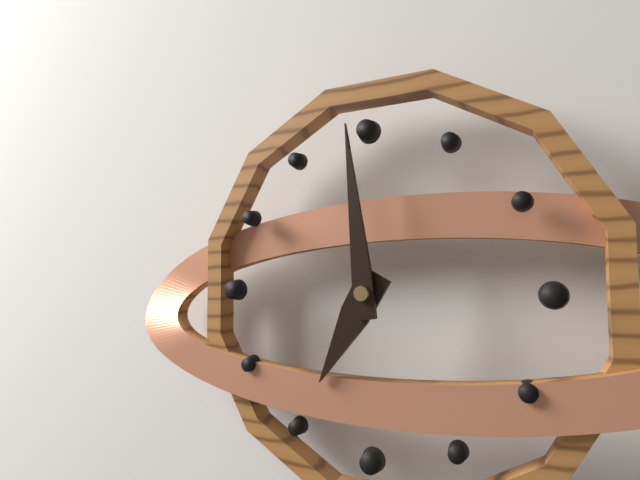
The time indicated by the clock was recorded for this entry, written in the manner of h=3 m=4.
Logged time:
h=6 m=59
